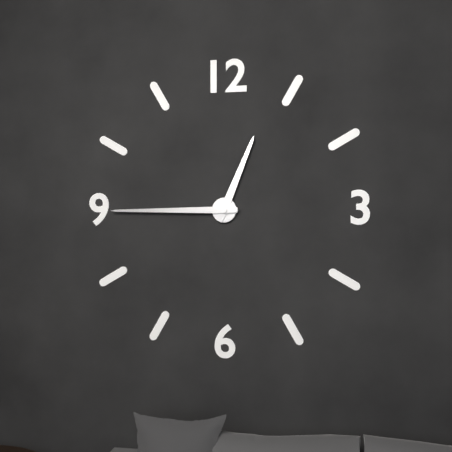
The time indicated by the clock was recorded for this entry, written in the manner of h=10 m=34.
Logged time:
h=12 m=45
